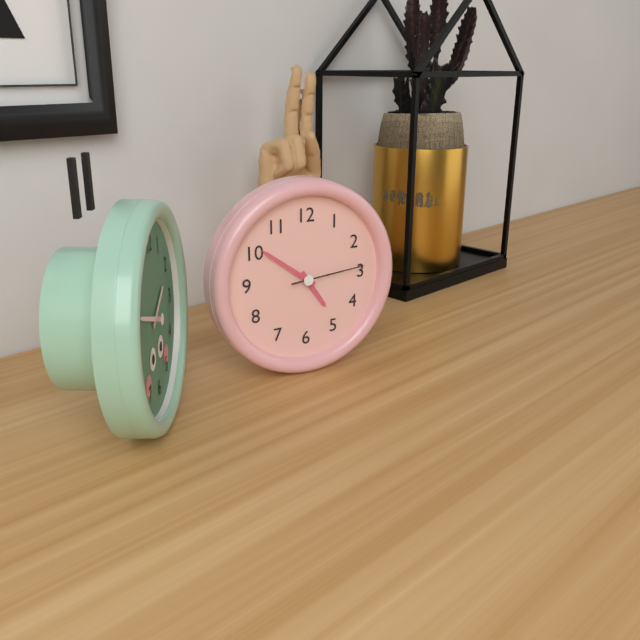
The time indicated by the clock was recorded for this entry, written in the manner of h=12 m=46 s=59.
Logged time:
h=4 m=51 s=14
